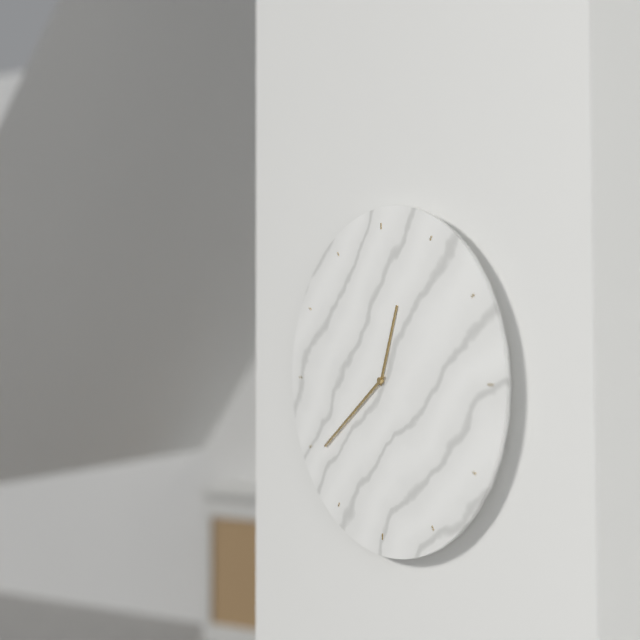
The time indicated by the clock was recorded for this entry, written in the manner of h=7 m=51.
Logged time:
h=12 m=39
